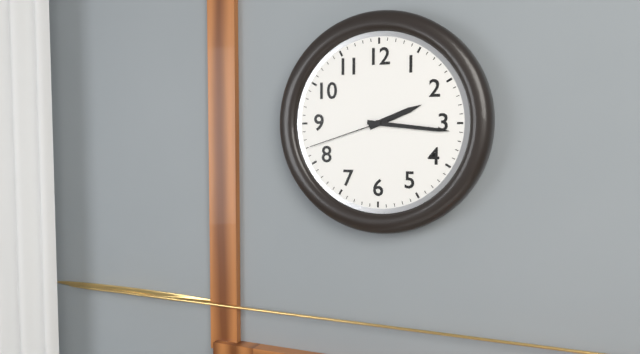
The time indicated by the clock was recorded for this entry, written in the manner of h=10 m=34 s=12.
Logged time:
h=2 m=16 s=42
